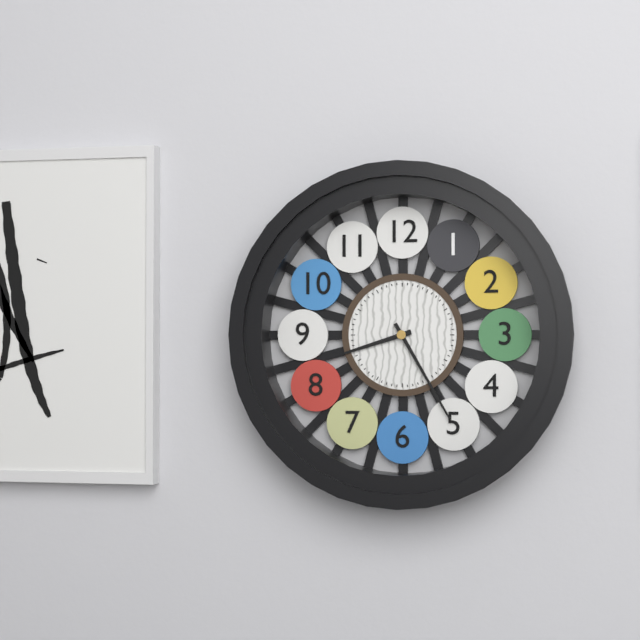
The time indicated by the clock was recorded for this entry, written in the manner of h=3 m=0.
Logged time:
h=8 m=25
